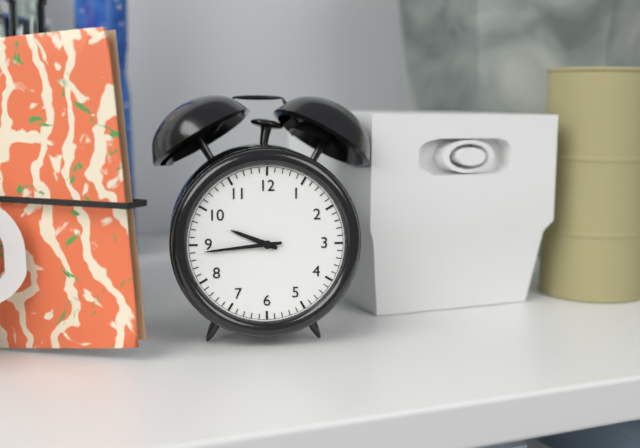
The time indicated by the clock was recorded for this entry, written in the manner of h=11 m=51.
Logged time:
h=9 m=44
